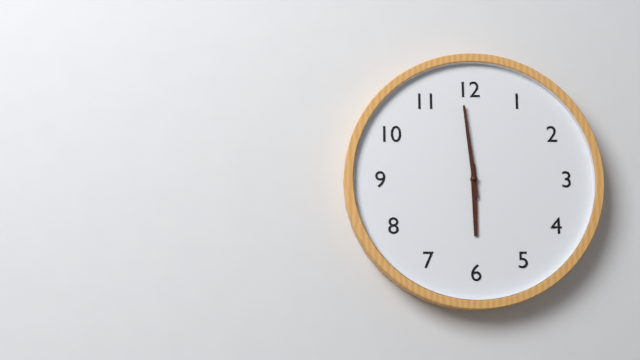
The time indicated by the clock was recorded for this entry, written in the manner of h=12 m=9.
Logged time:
h=5 m=59
